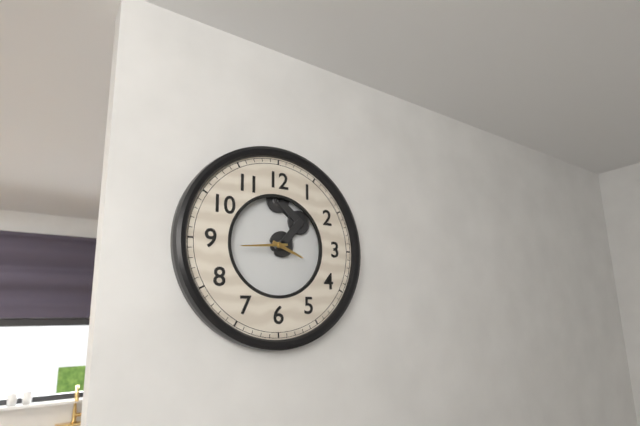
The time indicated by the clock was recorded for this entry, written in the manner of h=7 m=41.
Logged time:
h=3 m=44
